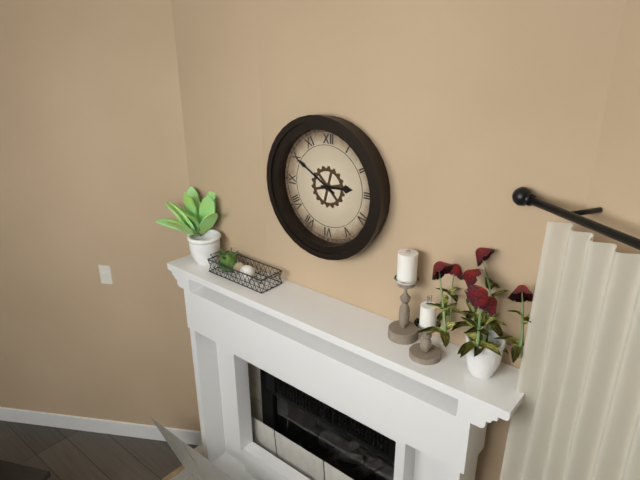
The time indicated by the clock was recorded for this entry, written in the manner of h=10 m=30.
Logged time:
h=2 m=50
